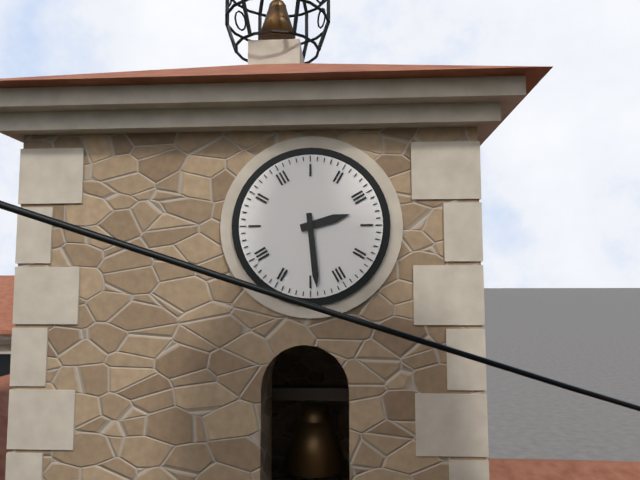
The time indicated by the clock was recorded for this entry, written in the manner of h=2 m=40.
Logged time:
h=2 m=29
